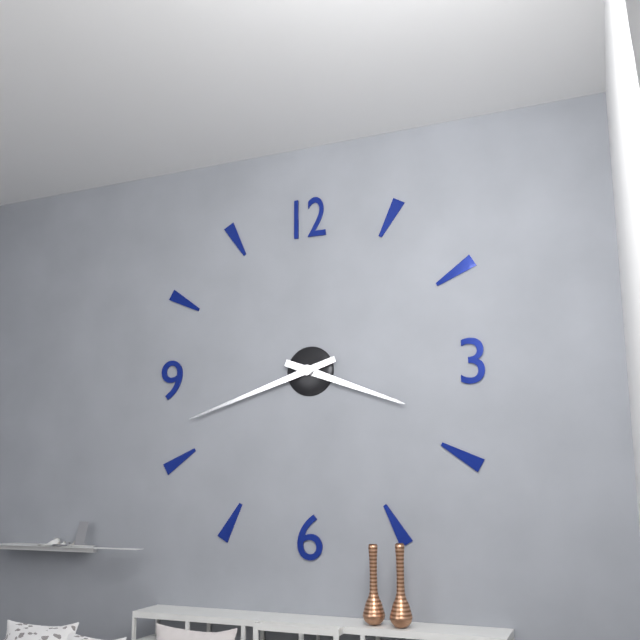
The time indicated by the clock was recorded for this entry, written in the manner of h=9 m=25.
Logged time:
h=3 m=42
